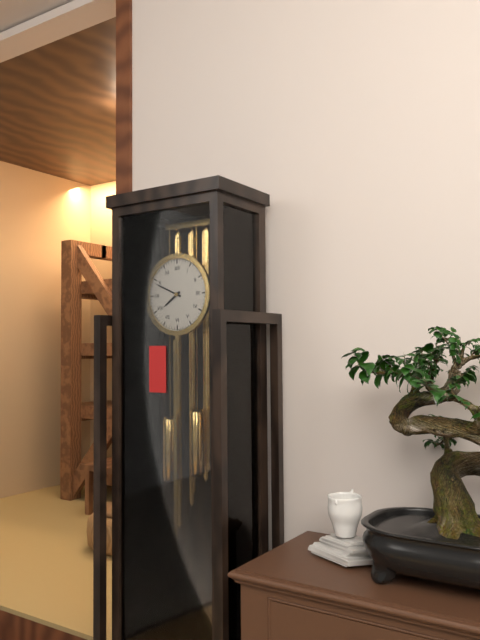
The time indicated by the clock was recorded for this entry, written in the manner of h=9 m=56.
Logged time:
h=7 m=49
